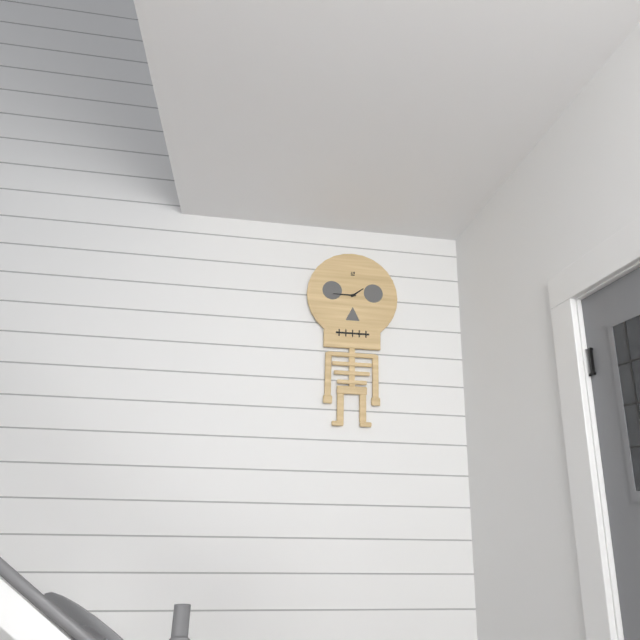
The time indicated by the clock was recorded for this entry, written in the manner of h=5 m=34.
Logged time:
h=1 m=45
